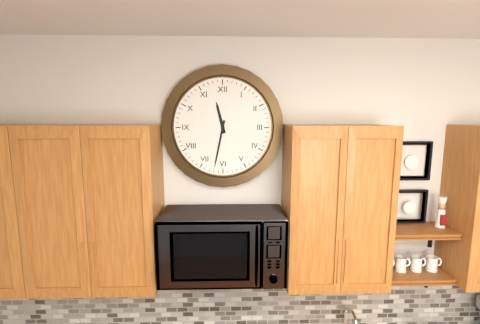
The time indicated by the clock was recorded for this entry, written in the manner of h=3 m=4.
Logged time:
h=11 m=32
